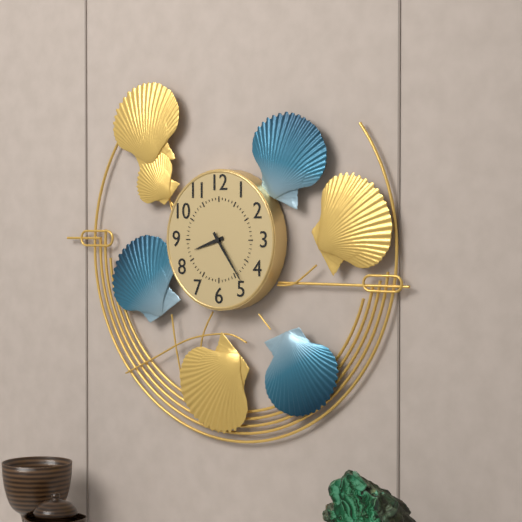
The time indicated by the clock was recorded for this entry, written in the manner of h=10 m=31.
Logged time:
h=8 m=24
